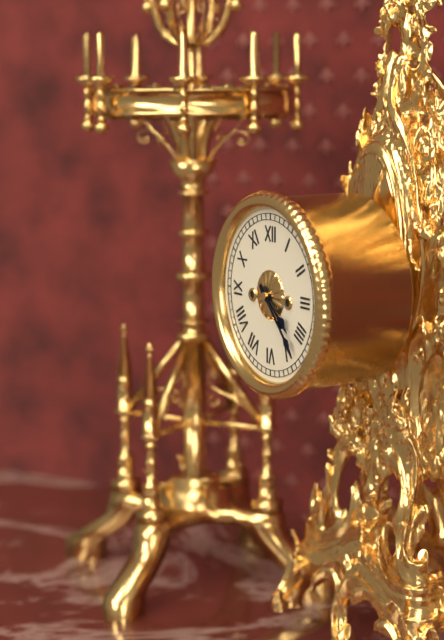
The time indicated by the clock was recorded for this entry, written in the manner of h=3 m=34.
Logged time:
h=4 m=23
